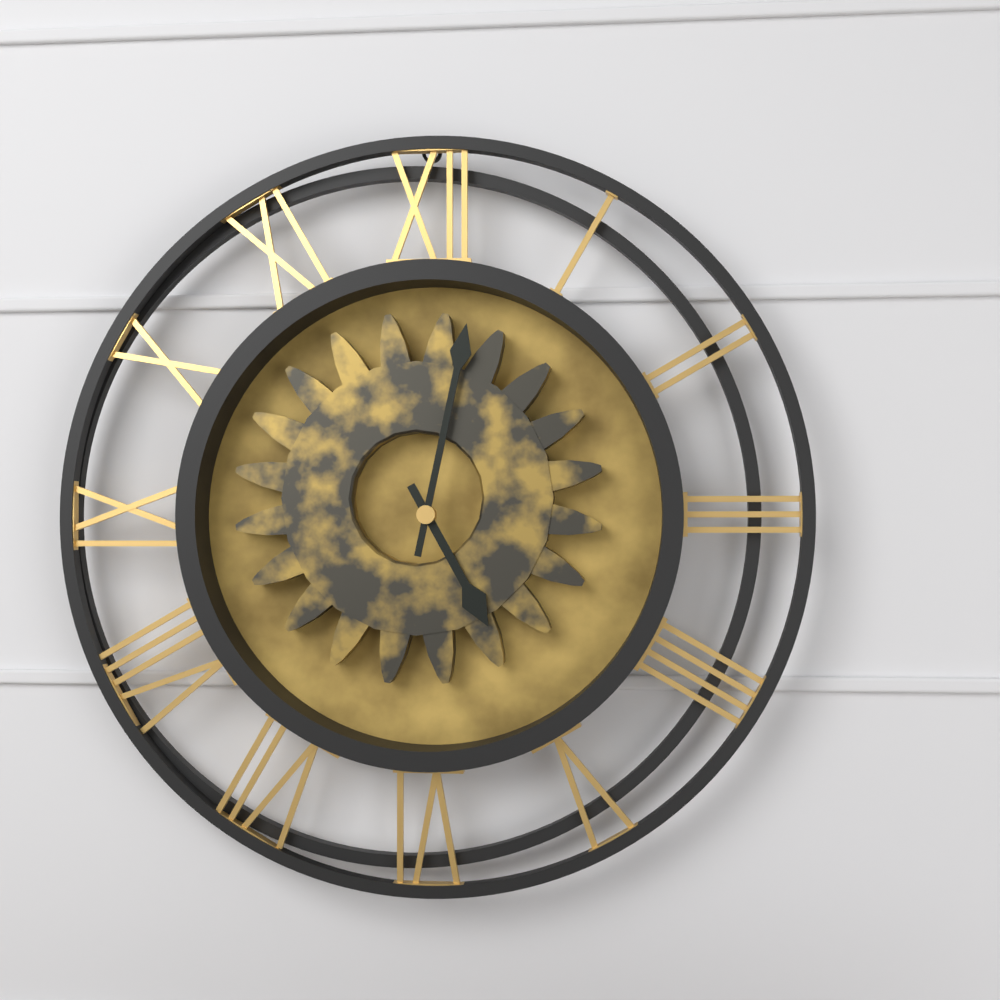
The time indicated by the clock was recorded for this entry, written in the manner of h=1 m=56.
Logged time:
h=5 m=2
